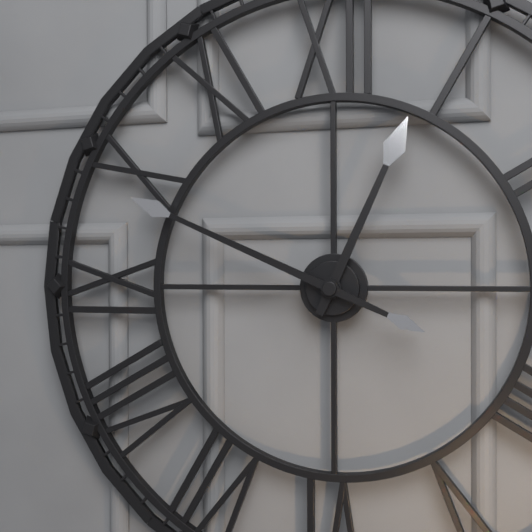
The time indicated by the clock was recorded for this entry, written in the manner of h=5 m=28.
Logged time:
h=12 m=49
